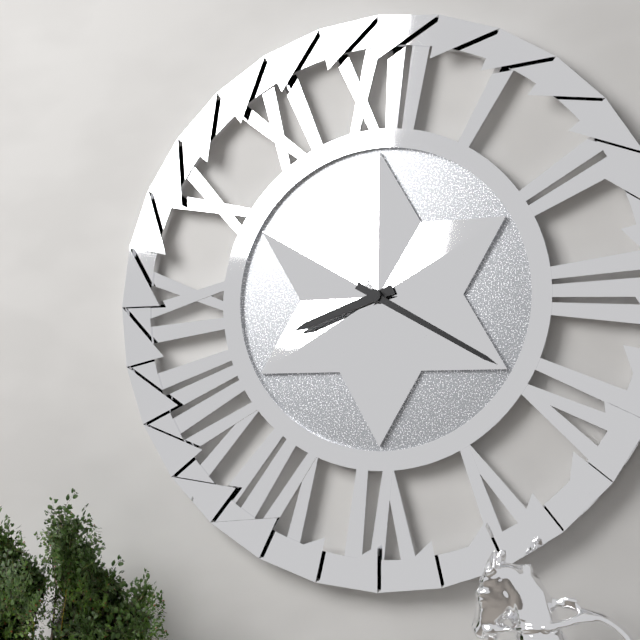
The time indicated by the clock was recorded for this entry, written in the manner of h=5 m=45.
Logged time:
h=8 m=20
